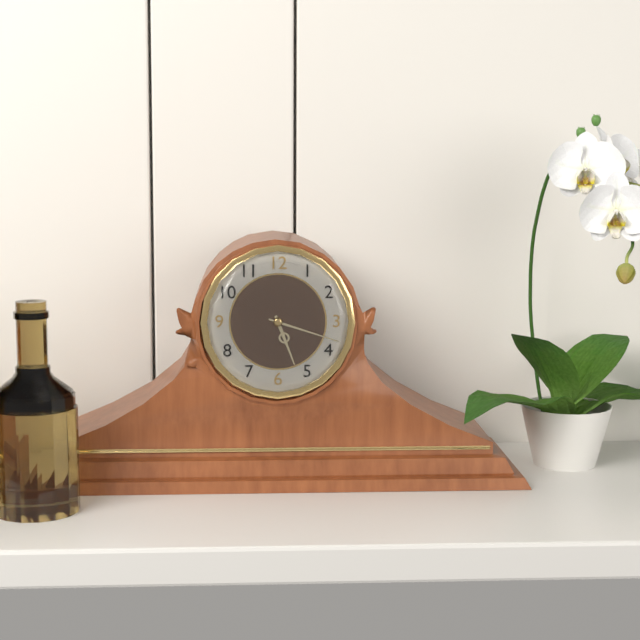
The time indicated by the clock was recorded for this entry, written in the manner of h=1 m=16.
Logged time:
h=5 m=18
